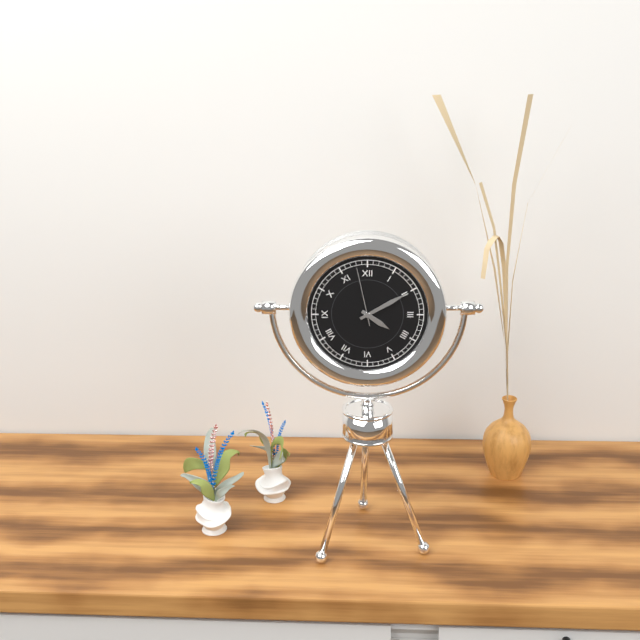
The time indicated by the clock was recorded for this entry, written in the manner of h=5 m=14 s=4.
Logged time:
h=4 m=10 s=58
